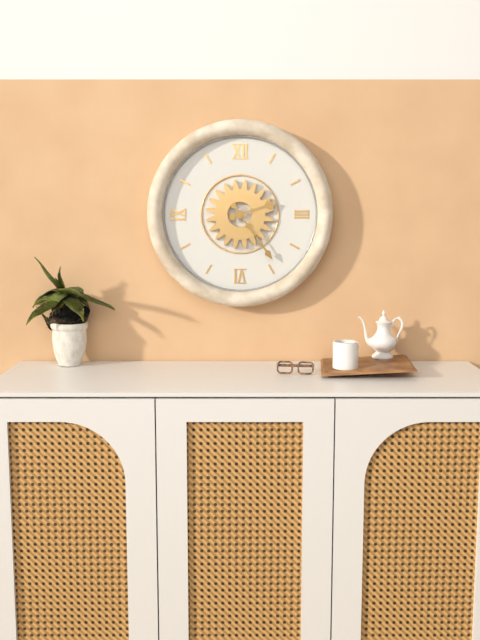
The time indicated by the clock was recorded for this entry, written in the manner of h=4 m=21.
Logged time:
h=2 m=24
